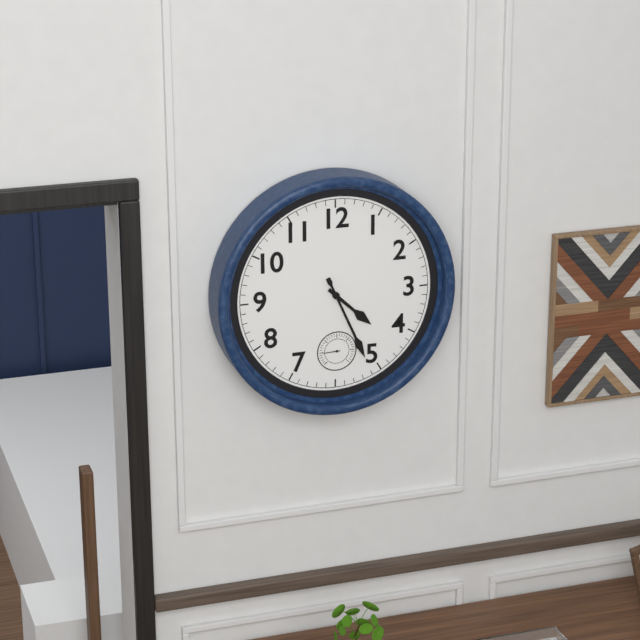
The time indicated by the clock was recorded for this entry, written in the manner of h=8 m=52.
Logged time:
h=4 m=26
